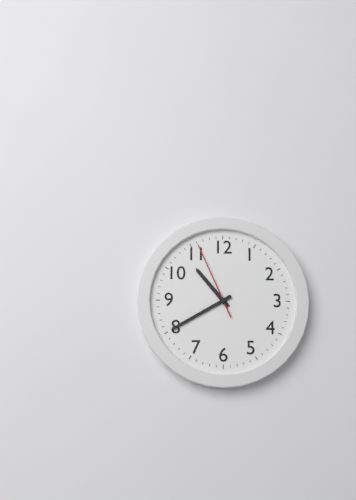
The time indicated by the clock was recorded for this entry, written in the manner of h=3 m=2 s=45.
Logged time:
h=10 m=40 s=56
